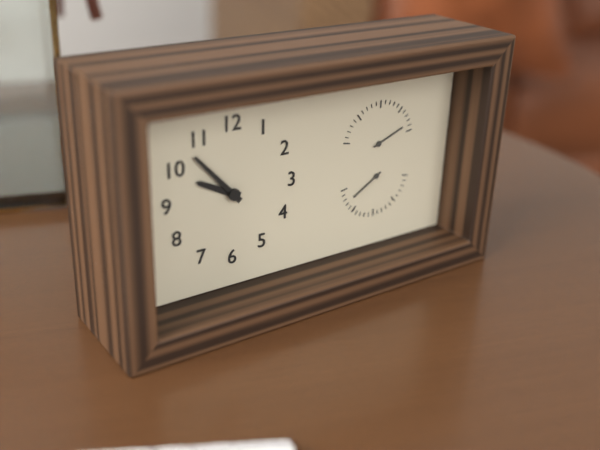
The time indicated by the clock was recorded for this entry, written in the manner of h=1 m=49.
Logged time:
h=9 m=53
